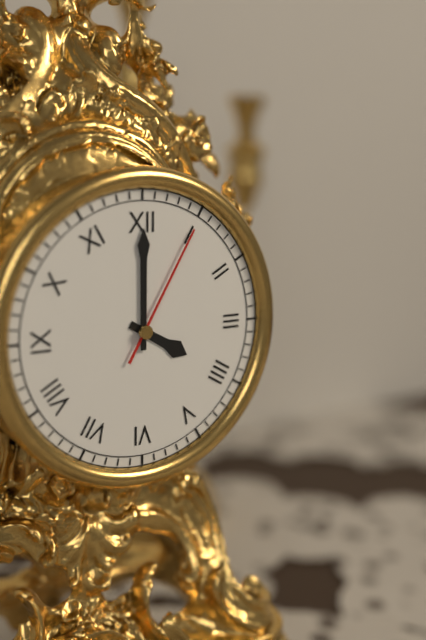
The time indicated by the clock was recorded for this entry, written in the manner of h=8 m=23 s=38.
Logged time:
h=4 m=0 s=5
